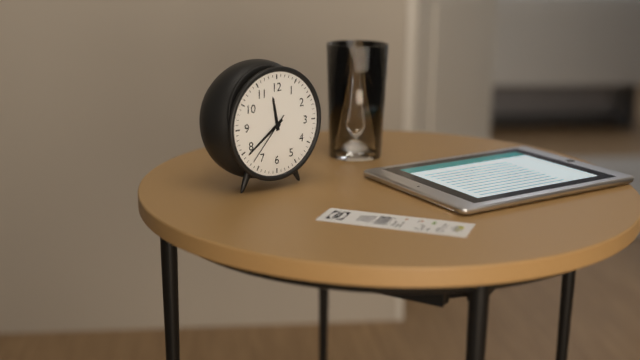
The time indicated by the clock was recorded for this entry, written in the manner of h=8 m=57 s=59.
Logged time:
h=11 m=39 s=37
